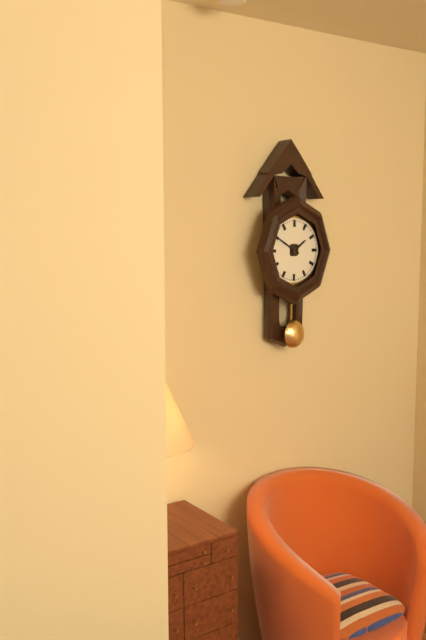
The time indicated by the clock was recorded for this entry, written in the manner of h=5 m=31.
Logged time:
h=1 m=50
